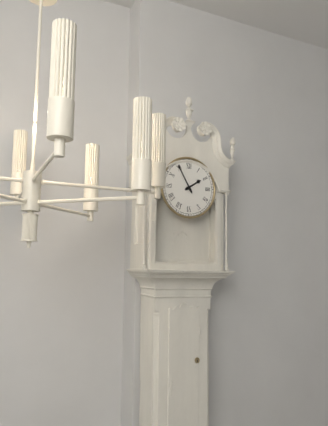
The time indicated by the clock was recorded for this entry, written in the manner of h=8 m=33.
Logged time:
h=1 m=55
